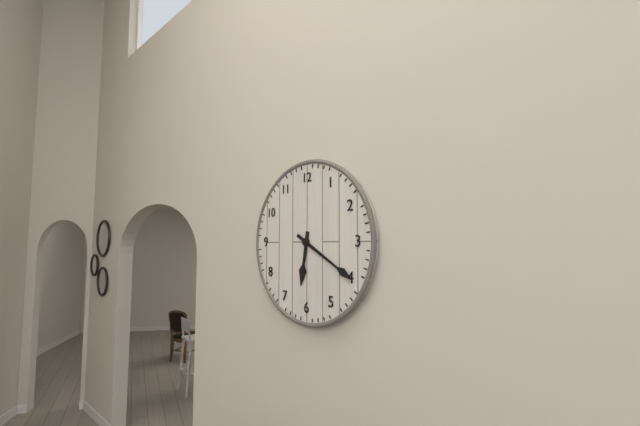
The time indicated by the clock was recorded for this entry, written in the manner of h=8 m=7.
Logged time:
h=6 m=20
